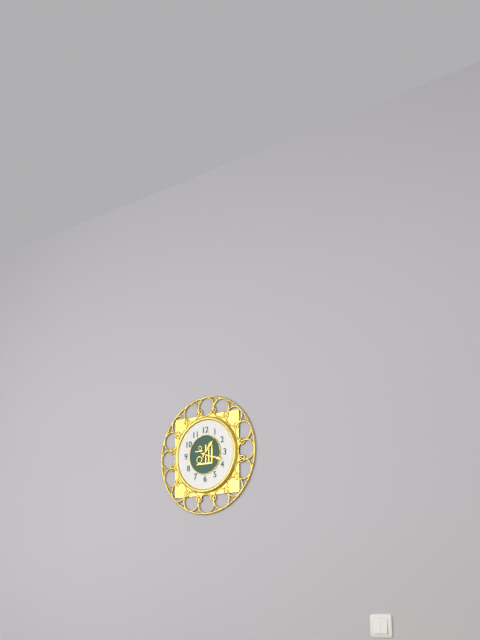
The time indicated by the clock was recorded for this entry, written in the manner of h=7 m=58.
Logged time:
h=1 m=18
